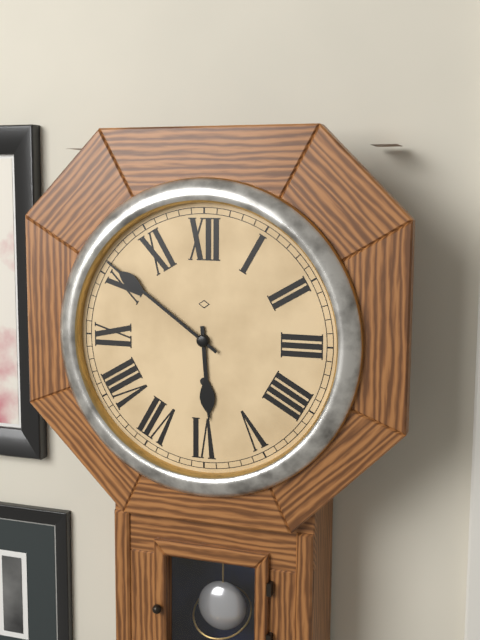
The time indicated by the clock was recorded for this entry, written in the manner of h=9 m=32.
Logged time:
h=5 m=51
